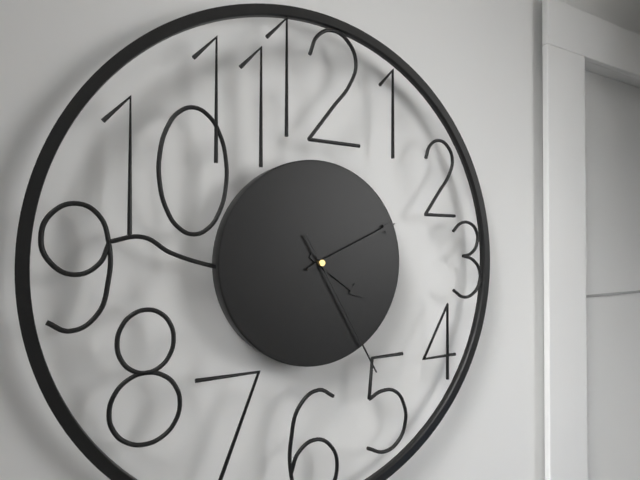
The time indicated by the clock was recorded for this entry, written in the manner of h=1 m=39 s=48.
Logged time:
h=4 m=11 s=25
